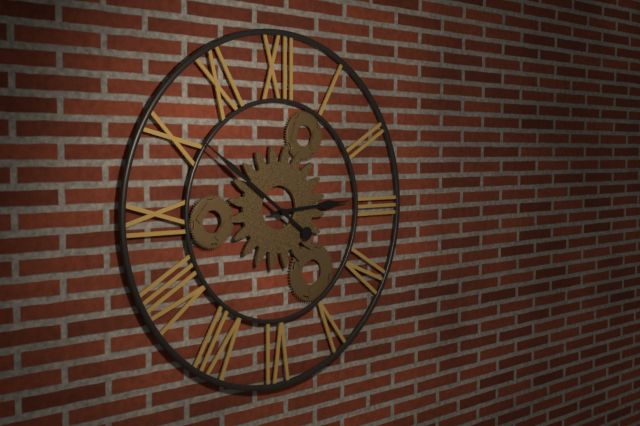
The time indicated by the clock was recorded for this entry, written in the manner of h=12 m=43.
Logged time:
h=2 m=51
